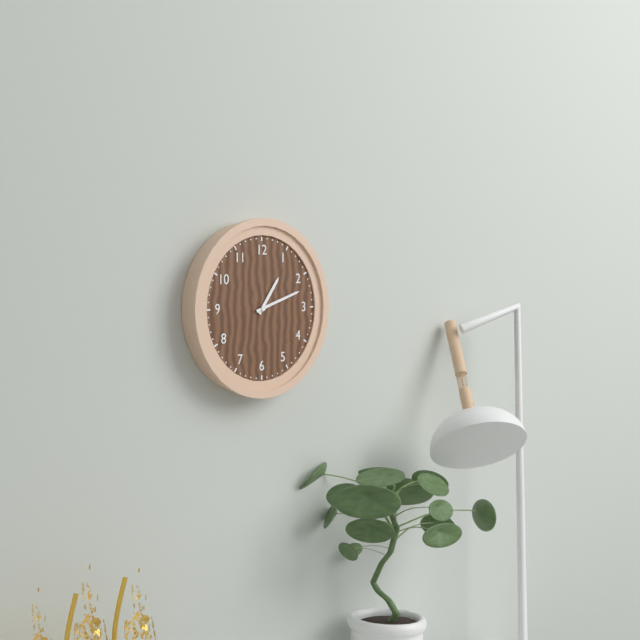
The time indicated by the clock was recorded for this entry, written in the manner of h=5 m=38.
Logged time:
h=1 m=12
